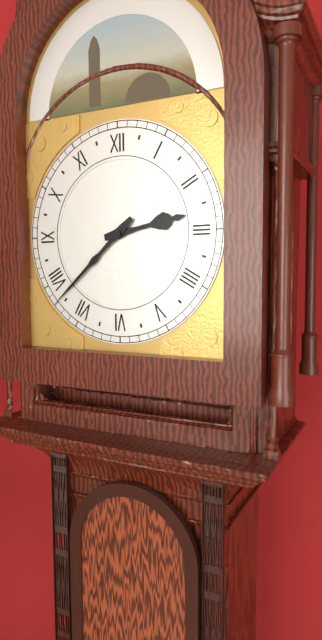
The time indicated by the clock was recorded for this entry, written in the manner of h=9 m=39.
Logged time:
h=2 m=38
